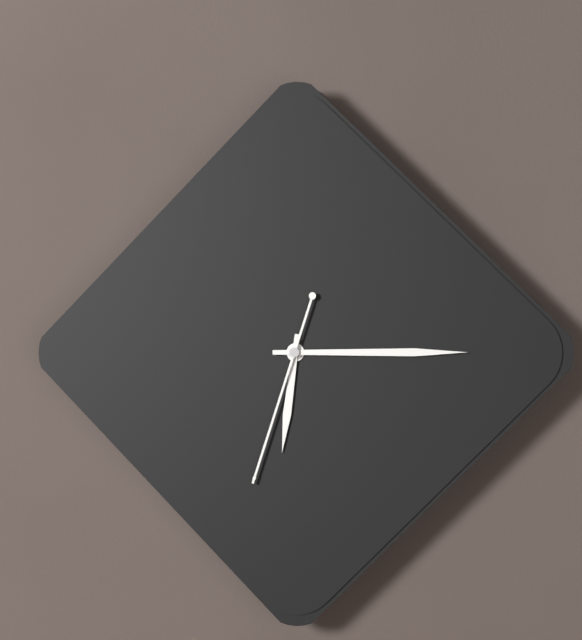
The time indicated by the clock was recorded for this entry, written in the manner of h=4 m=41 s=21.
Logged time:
h=6 m=15 s=33
